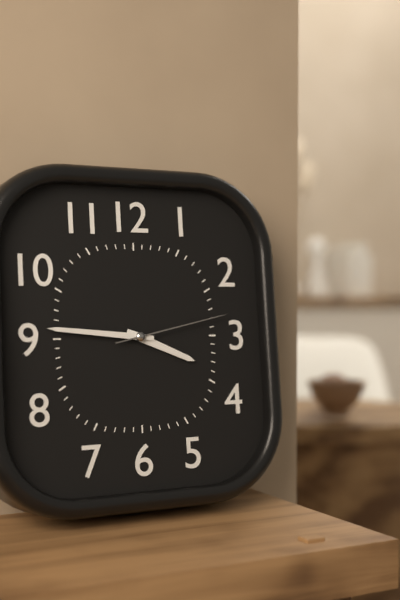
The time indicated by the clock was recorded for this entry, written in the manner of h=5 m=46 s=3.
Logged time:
h=3 m=46 s=13
